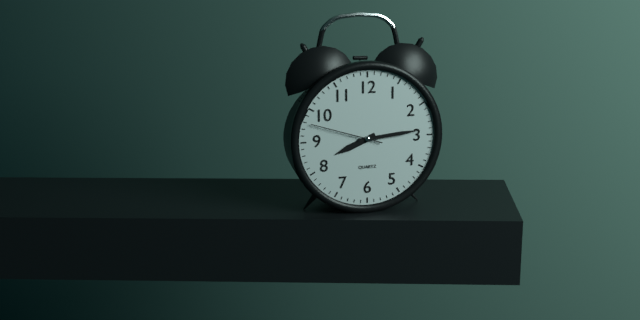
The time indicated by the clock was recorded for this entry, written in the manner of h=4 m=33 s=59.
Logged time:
h=8 m=14 s=48
